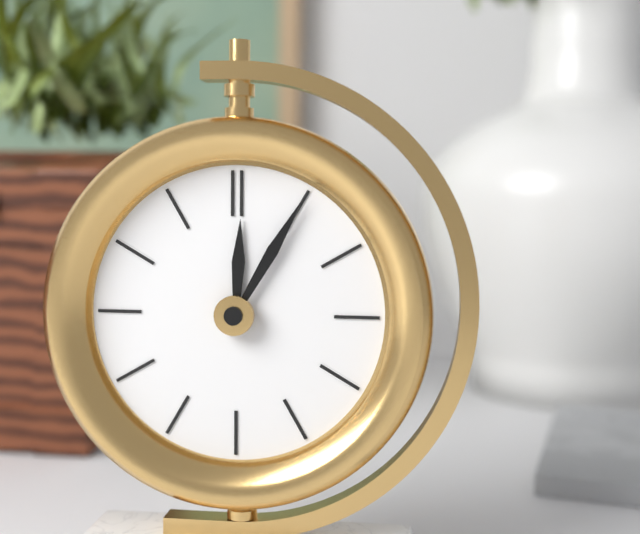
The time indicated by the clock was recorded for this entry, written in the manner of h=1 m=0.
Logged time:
h=12 m=5
